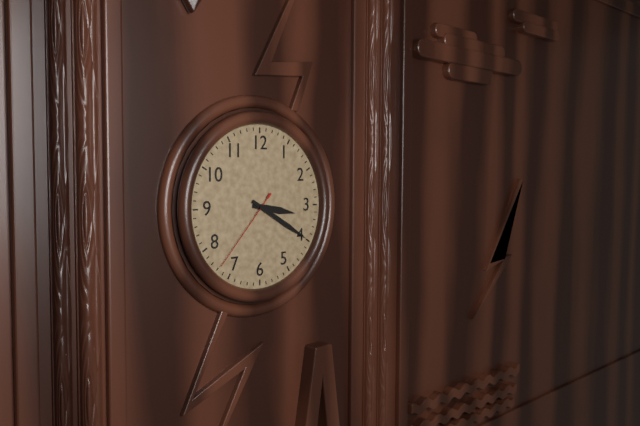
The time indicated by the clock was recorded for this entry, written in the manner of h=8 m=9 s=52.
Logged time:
h=3 m=20 s=37
